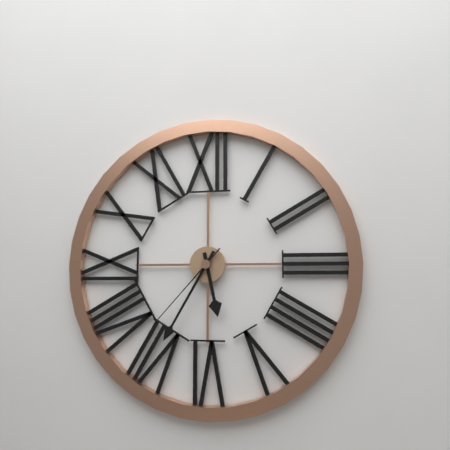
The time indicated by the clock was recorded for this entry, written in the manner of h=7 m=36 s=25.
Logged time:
h=5 m=35 s=37
